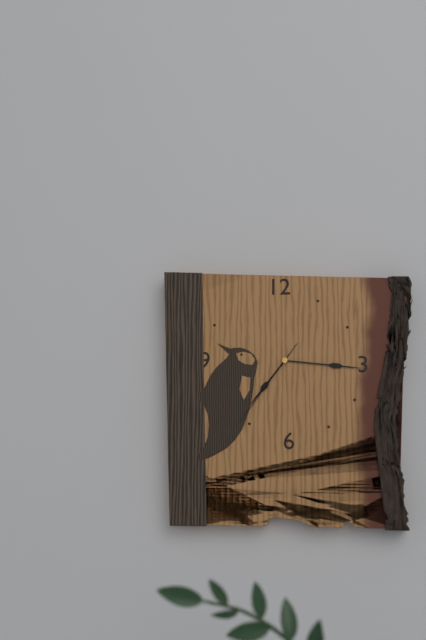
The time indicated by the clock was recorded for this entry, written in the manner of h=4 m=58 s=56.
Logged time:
h=7 m=16 s=36
